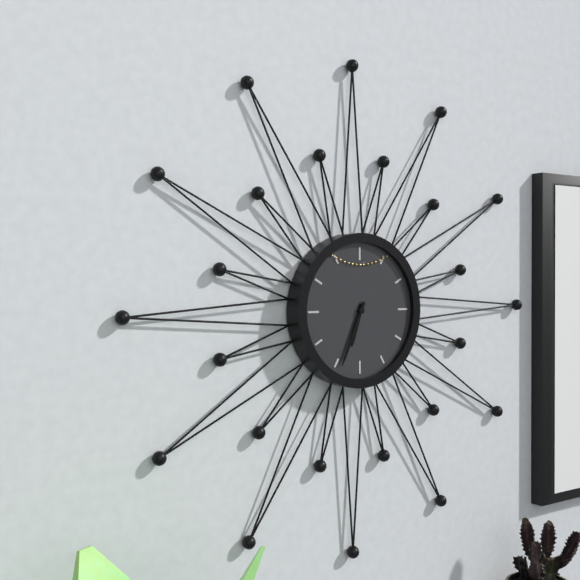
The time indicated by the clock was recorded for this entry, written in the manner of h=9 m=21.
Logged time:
h=6 m=34
